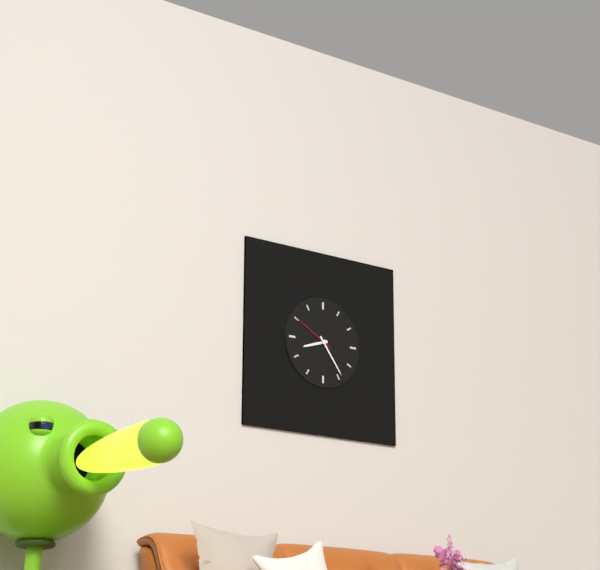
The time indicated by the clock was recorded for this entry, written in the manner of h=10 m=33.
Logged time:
h=8 m=24
